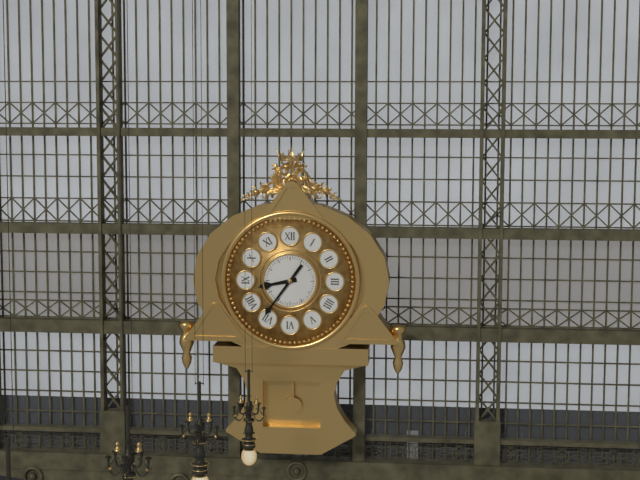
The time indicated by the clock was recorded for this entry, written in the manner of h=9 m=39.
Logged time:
h=8 m=36
